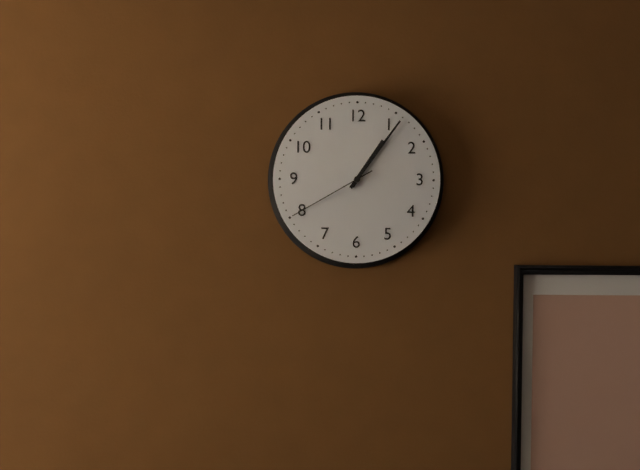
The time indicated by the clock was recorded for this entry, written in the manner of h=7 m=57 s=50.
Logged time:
h=1 m=6 s=40
